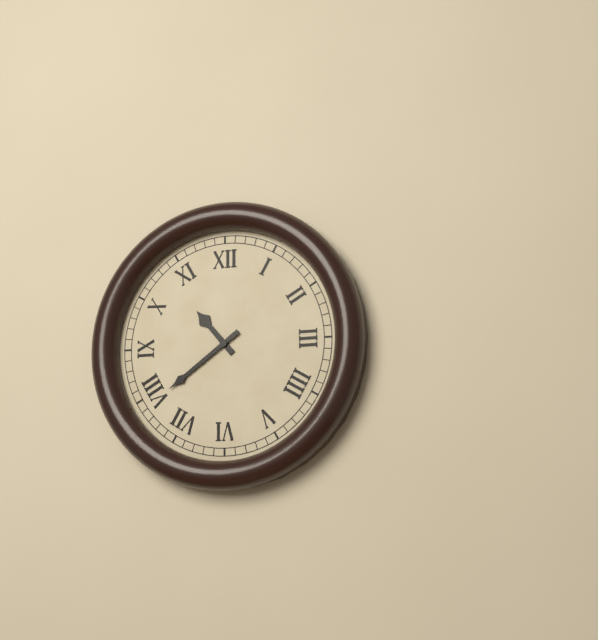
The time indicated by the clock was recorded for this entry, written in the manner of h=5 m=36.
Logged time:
h=10 m=39
